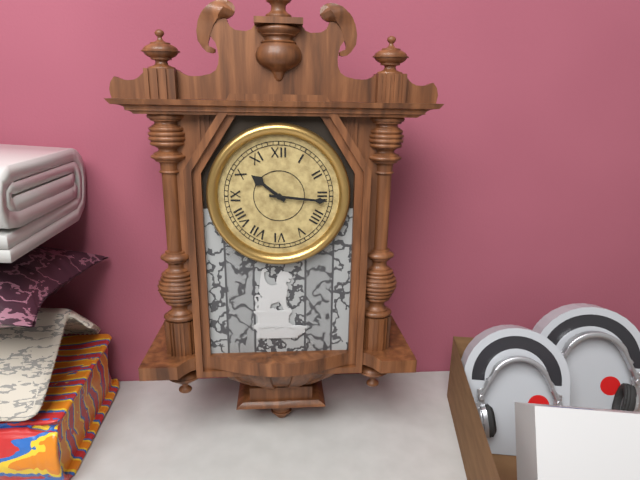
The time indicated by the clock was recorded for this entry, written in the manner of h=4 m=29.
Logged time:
h=10 m=16
